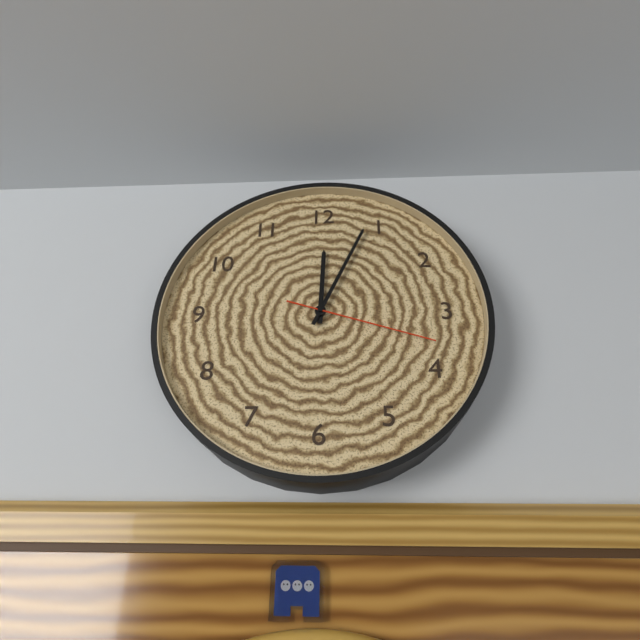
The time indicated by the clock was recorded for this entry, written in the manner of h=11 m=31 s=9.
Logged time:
h=12 m=4 s=18
